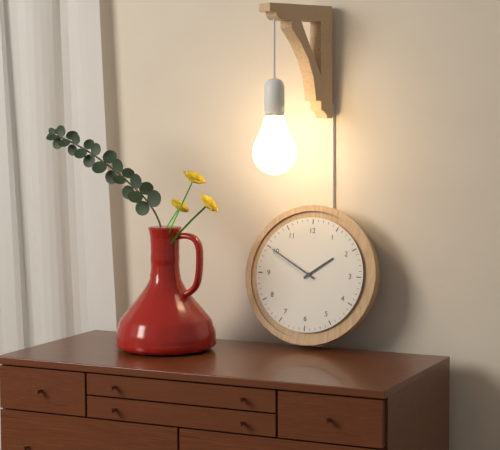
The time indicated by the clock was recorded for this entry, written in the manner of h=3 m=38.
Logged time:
h=1 m=50
